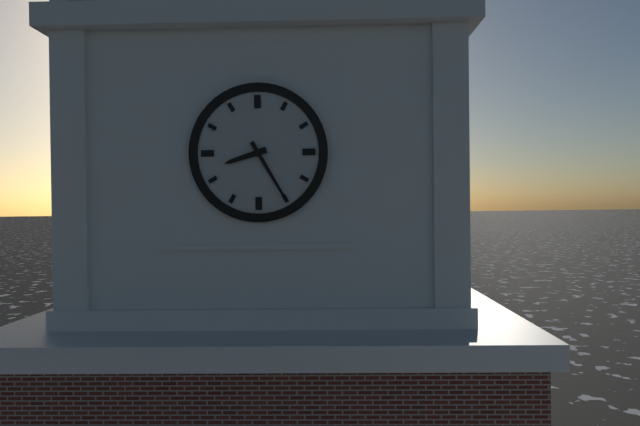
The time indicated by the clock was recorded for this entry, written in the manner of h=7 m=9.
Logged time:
h=8 m=25
